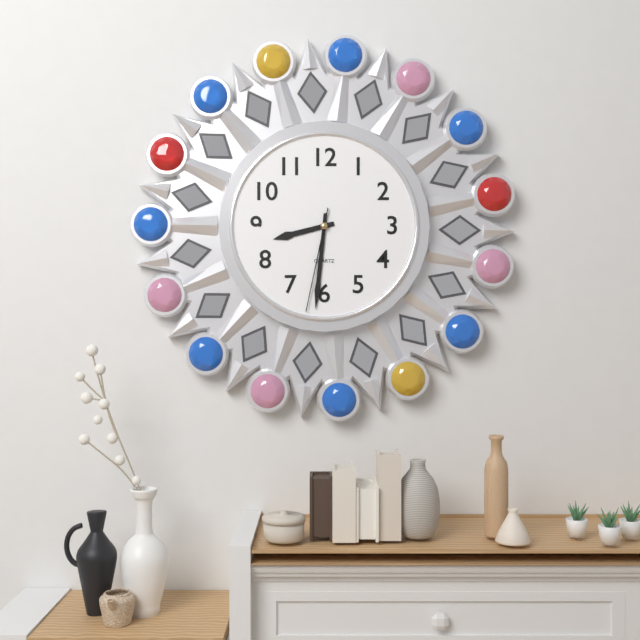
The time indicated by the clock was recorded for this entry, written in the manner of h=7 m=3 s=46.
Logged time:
h=8 m=31 s=32
